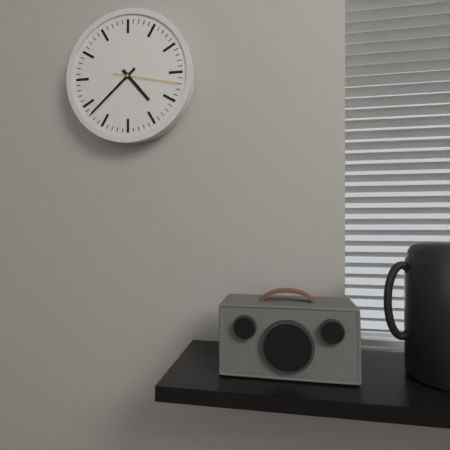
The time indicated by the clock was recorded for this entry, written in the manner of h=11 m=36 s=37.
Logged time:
h=4 m=38 s=17
